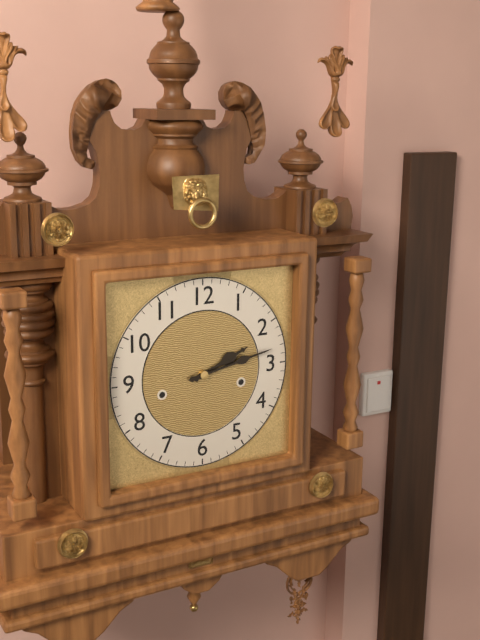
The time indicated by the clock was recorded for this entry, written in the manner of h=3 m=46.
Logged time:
h=2 m=13
